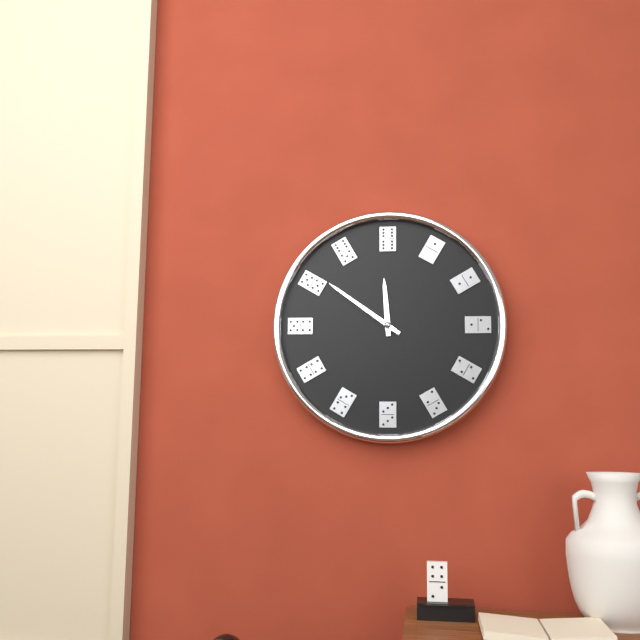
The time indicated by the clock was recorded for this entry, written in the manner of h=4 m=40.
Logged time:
h=11 m=51
